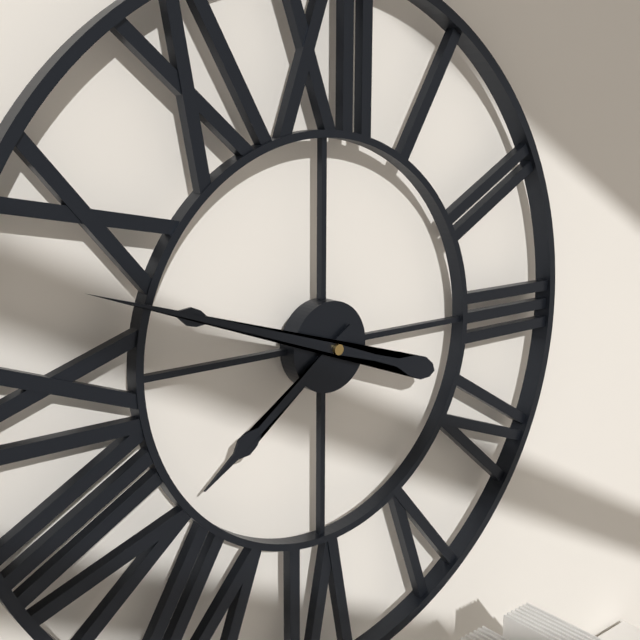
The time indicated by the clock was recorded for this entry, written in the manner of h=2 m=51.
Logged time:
h=7 m=48
